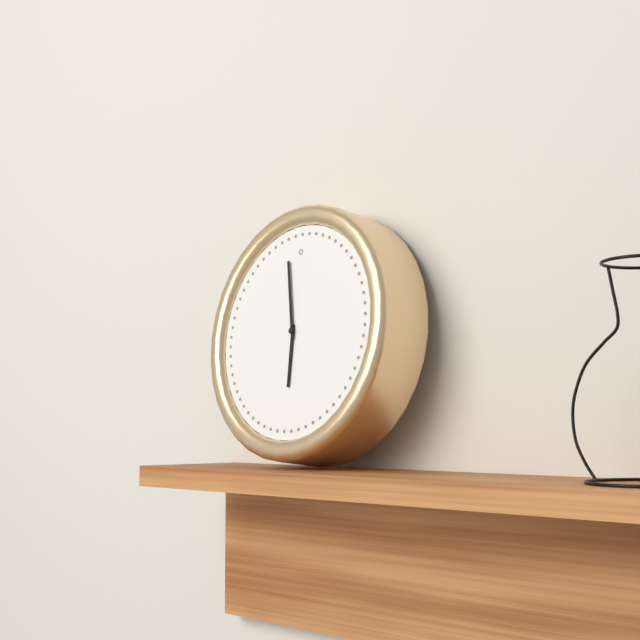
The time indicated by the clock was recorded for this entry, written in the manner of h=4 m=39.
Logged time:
h=5 m=58
